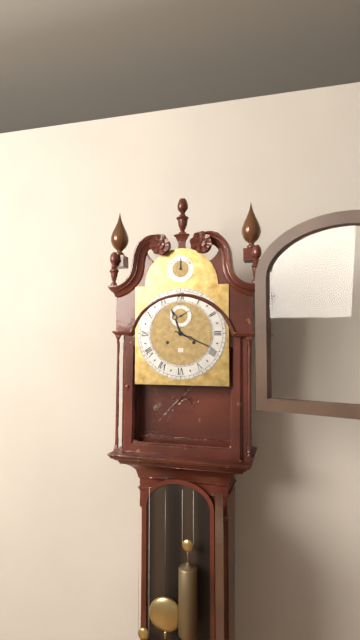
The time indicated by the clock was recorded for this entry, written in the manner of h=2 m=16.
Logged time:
h=11 m=19
